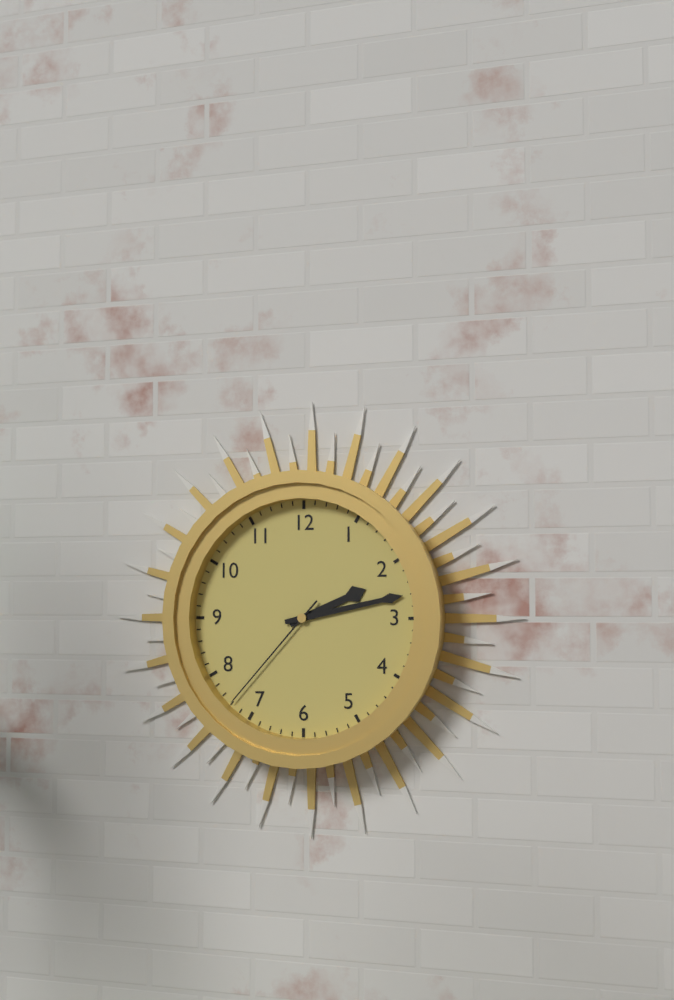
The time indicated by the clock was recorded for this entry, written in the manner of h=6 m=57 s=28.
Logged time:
h=2 m=13 s=37
